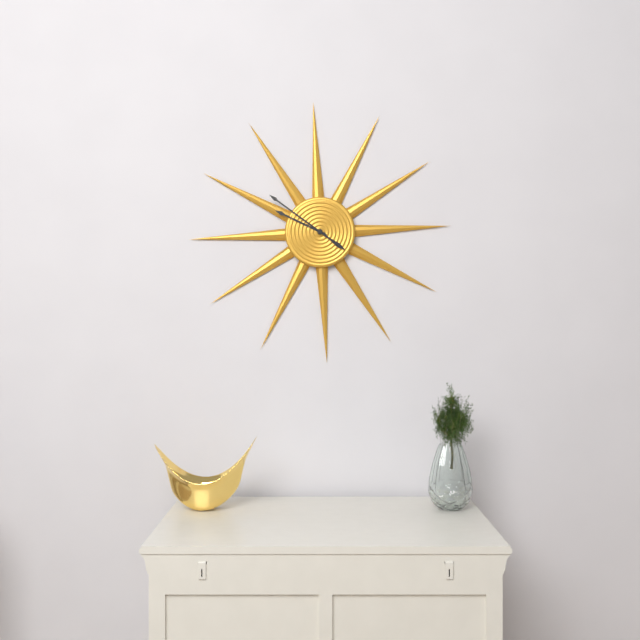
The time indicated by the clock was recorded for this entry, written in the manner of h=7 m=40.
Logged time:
h=9 m=51
